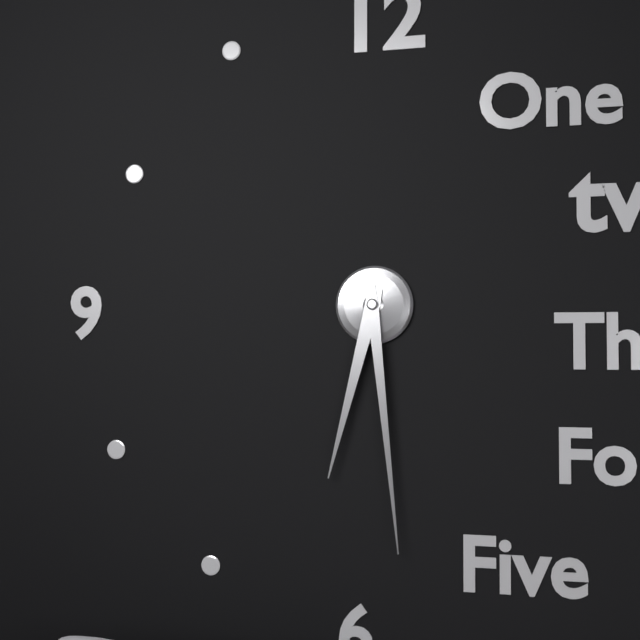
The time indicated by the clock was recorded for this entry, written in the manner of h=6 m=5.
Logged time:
h=6 m=29
